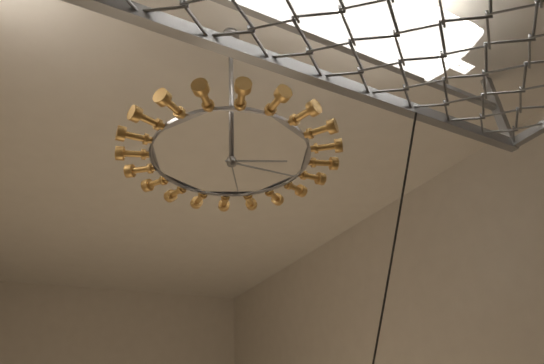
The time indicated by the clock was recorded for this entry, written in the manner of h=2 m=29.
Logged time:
h=2 m=15
